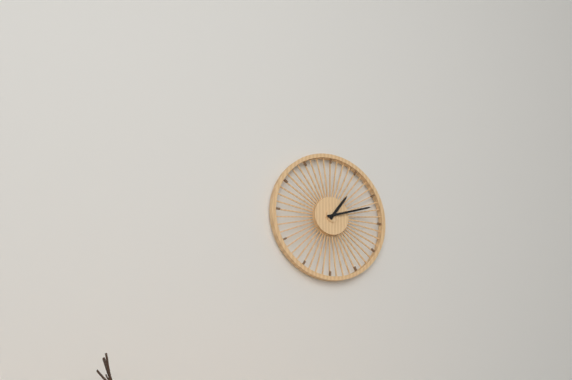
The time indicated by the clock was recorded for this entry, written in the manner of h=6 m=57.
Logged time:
h=1 m=12
